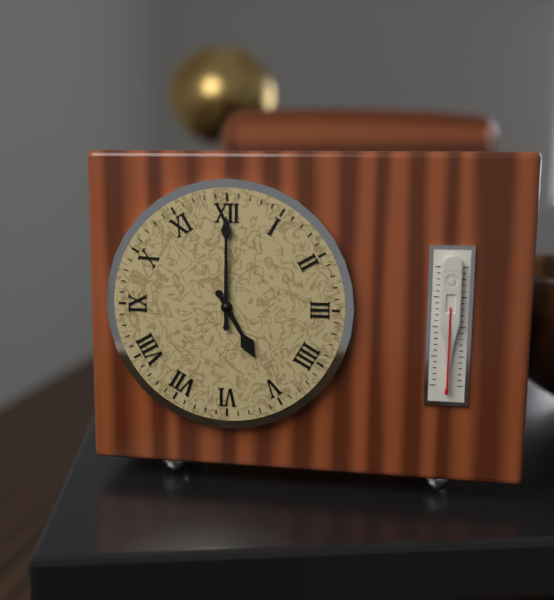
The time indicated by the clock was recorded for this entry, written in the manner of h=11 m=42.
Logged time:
h=5 m=0
